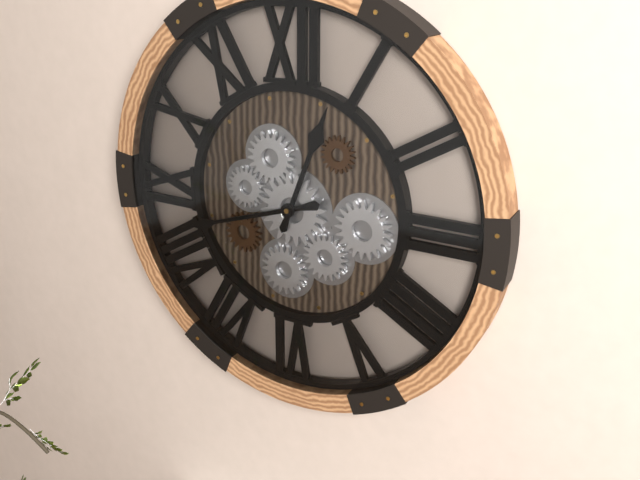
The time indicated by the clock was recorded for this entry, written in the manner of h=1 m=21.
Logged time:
h=12 m=42
